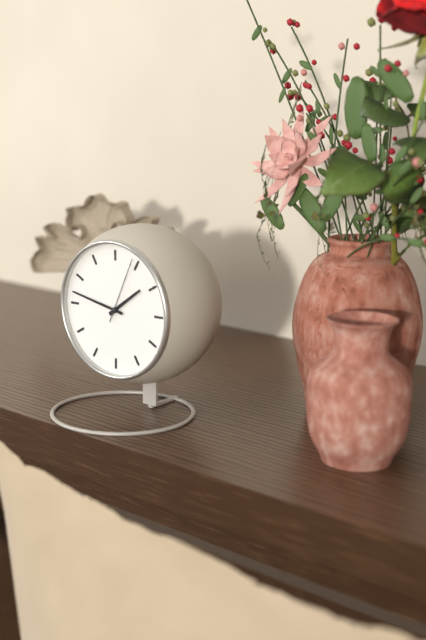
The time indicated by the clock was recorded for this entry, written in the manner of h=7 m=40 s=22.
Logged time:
h=1 m=47 s=4
